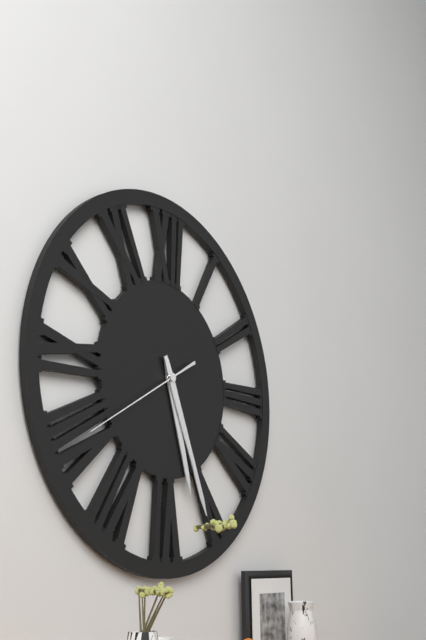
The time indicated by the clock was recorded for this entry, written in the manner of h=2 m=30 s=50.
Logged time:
h=5 m=26 s=40
